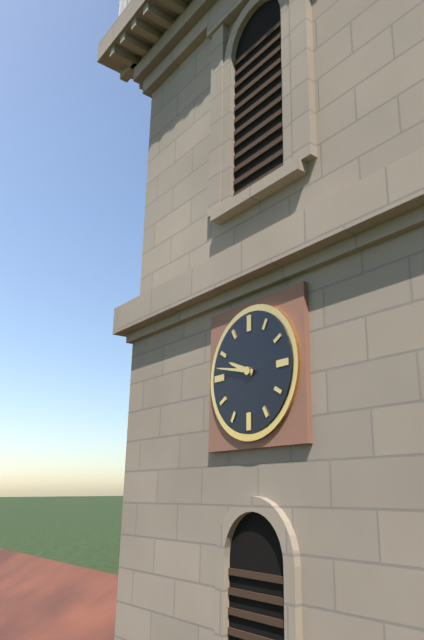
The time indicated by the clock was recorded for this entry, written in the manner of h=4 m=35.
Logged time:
h=9 m=47
